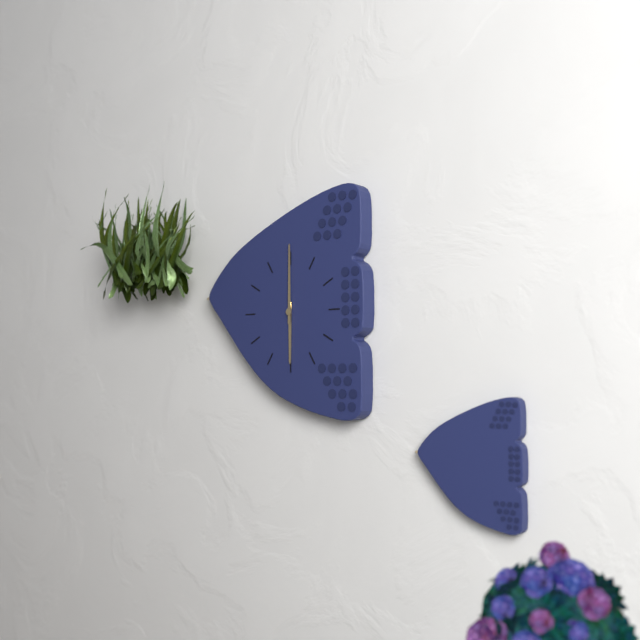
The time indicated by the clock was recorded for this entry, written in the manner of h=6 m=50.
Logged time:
h=6 m=0
